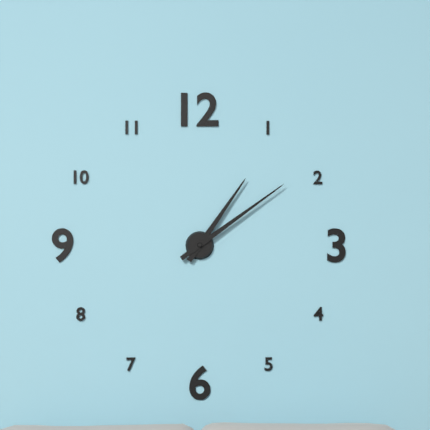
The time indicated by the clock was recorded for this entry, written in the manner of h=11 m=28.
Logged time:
h=1 m=9
